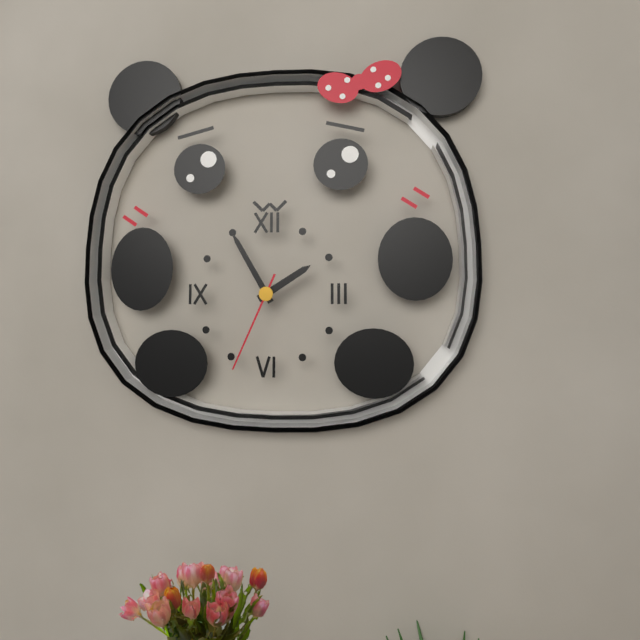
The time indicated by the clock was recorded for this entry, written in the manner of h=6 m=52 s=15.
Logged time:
h=1 m=55 s=34
